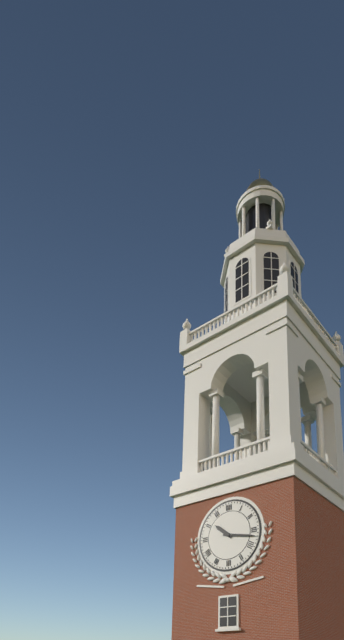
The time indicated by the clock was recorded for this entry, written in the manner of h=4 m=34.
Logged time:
h=10 m=17
